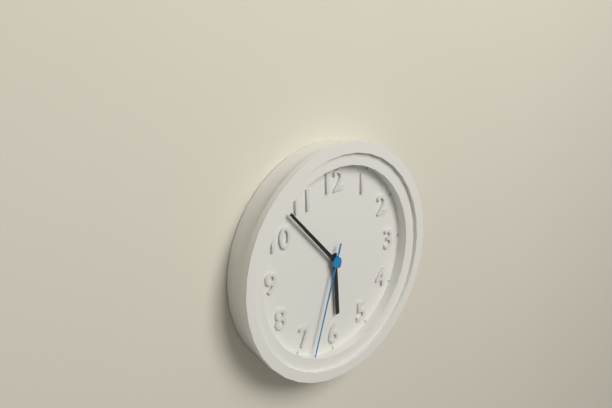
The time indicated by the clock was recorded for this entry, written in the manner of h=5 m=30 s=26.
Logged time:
h=5 m=53 s=33
